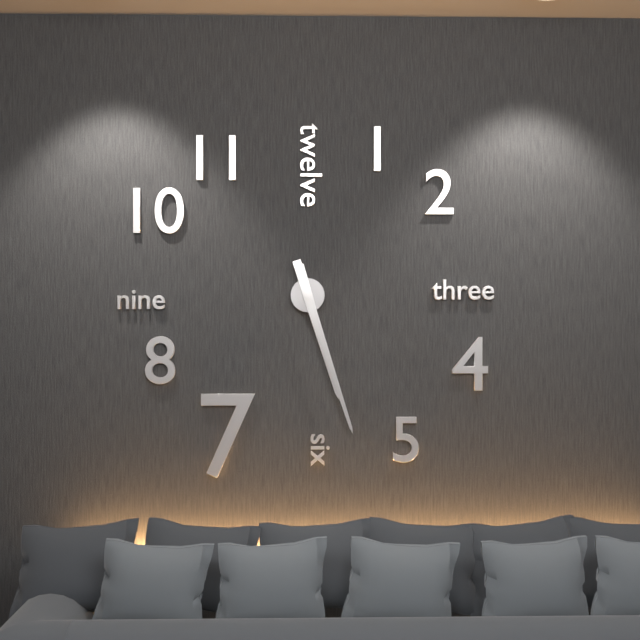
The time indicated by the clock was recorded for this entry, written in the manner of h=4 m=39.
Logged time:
h=5 m=27
